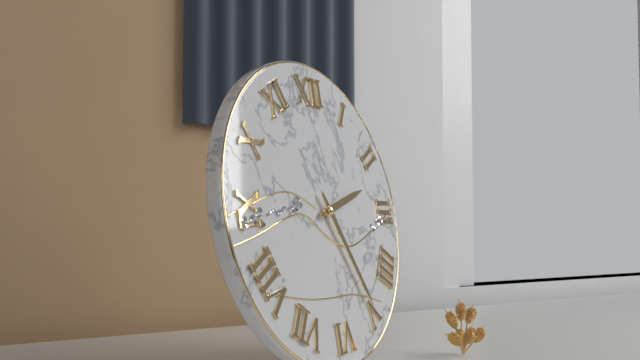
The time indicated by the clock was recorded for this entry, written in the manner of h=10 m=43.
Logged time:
h=2 m=25
